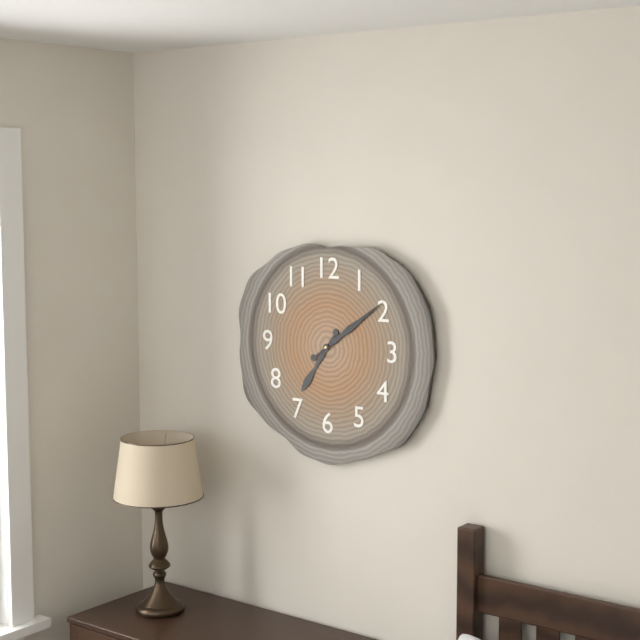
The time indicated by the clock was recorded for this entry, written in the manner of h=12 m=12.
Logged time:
h=7 m=9
